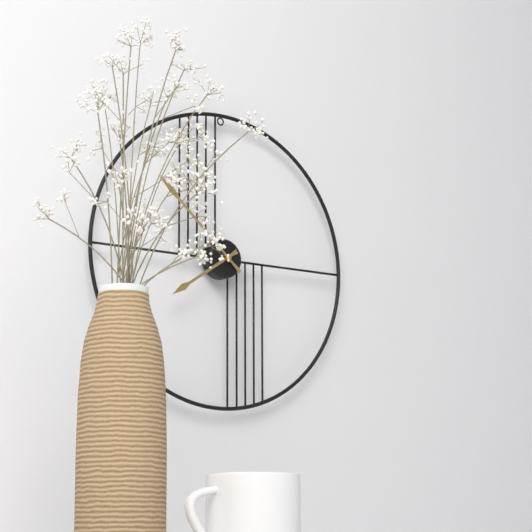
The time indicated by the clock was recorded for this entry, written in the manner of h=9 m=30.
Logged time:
h=7 m=52
